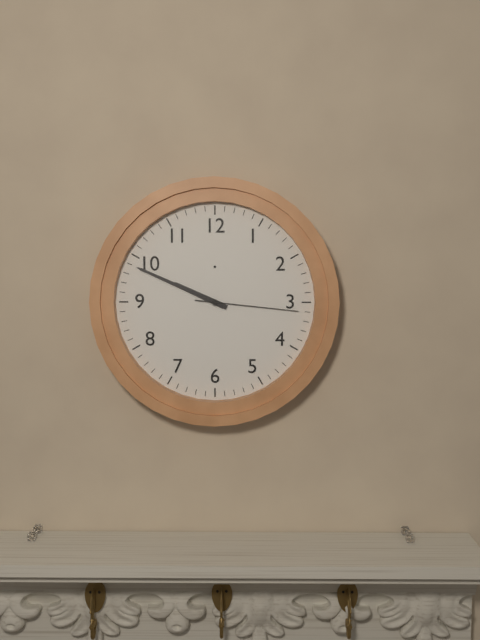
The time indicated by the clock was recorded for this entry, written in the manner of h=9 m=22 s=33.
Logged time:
h=9 m=49 s=16
